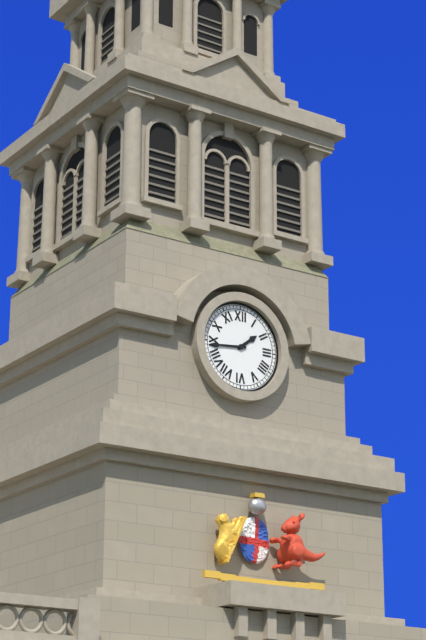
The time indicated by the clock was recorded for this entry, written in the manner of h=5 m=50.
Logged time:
h=1 m=44
